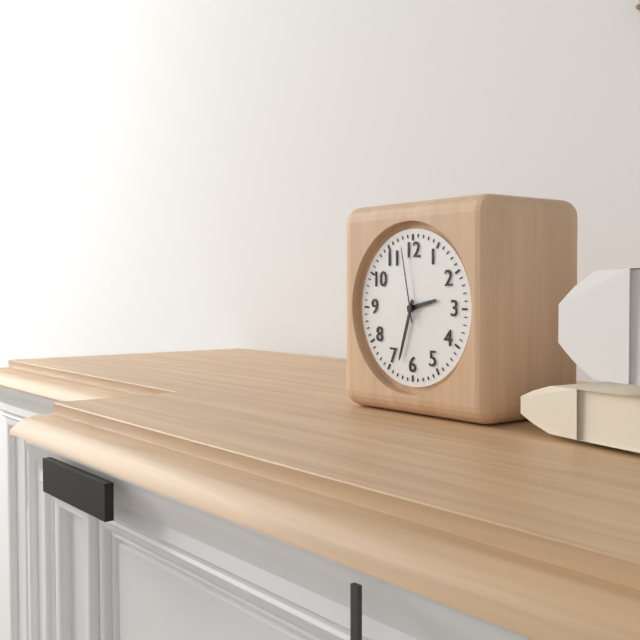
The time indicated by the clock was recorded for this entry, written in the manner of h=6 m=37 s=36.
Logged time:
h=2 m=33 s=58
